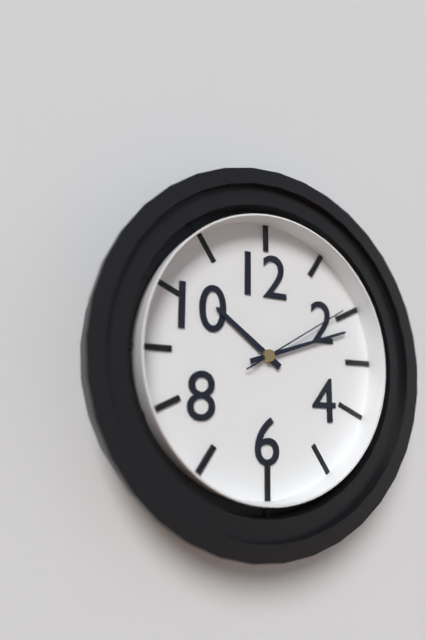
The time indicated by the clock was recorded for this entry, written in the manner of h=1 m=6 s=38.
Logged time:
h=10 m=12 s=10
